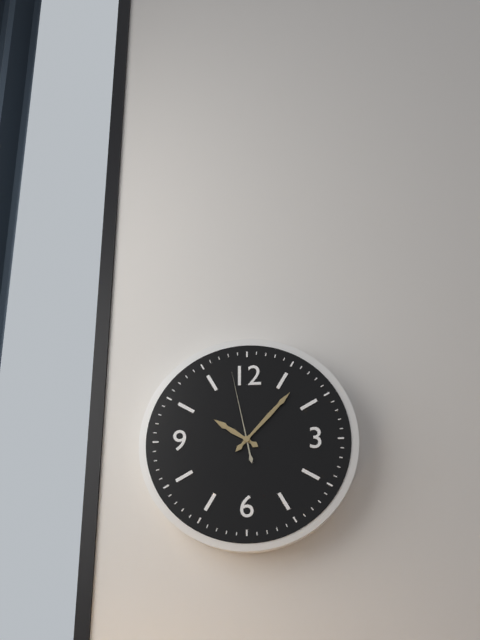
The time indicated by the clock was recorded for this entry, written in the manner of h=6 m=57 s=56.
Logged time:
h=10 m=7 s=58
